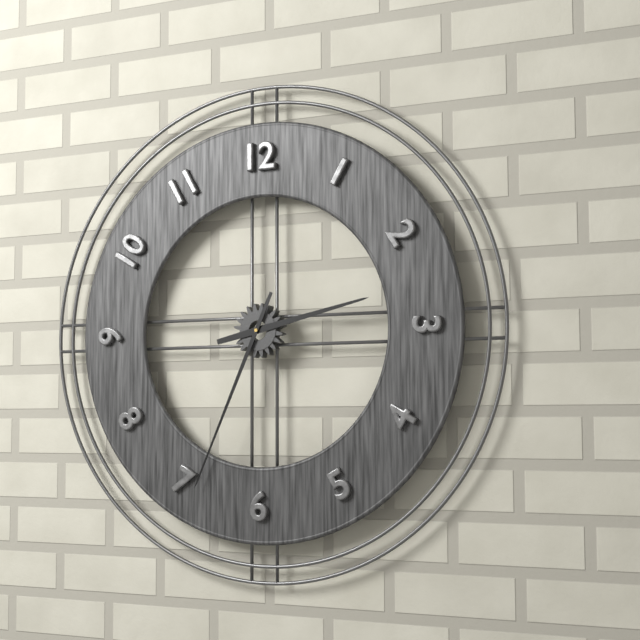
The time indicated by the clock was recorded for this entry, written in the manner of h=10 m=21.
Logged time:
h=2 m=34
